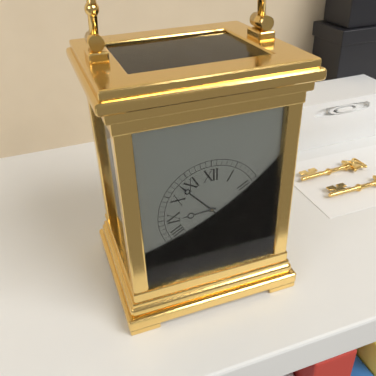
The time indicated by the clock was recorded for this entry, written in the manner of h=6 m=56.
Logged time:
h=8 m=53
